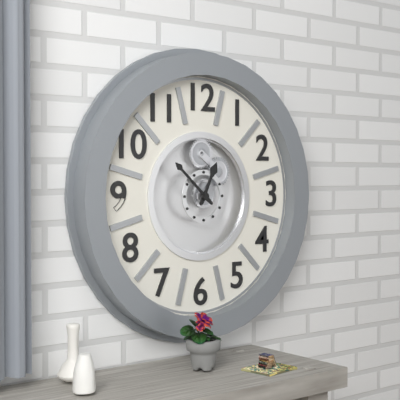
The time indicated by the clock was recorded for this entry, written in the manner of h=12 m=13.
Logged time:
h=12 m=52
